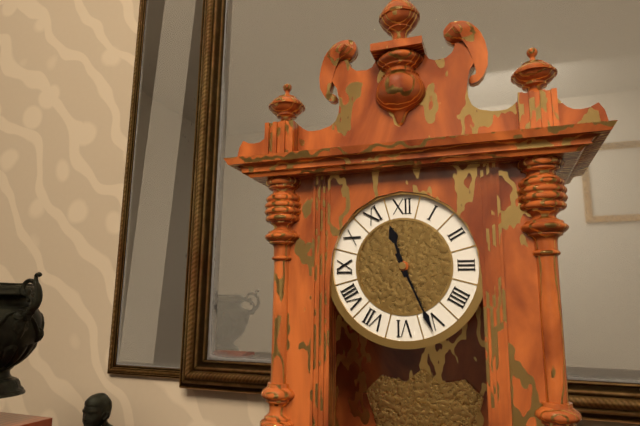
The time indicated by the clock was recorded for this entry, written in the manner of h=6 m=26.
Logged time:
h=11 m=26
